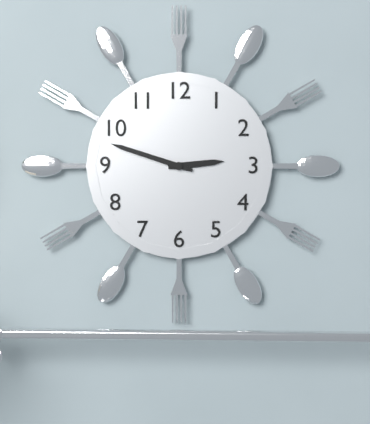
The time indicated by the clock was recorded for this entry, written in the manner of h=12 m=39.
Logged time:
h=2 m=48
